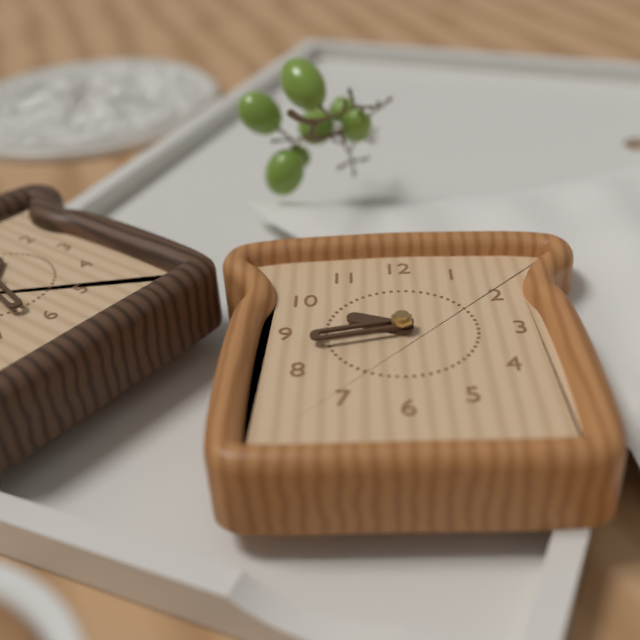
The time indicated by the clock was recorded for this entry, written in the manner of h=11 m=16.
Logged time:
h=9 m=43
